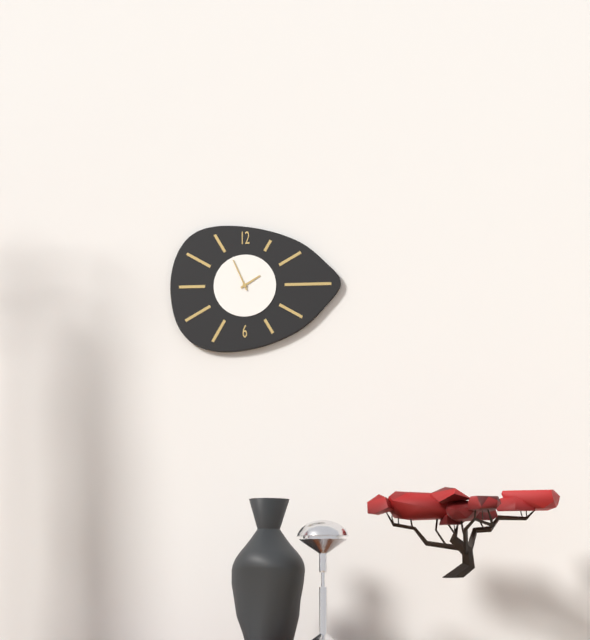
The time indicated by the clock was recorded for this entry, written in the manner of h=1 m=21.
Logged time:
h=1 m=56
